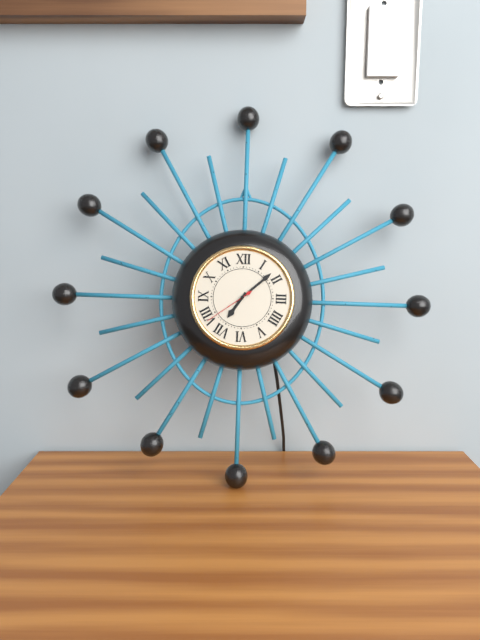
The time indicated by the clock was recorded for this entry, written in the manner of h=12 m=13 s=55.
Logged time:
h=7 m=8 s=39
